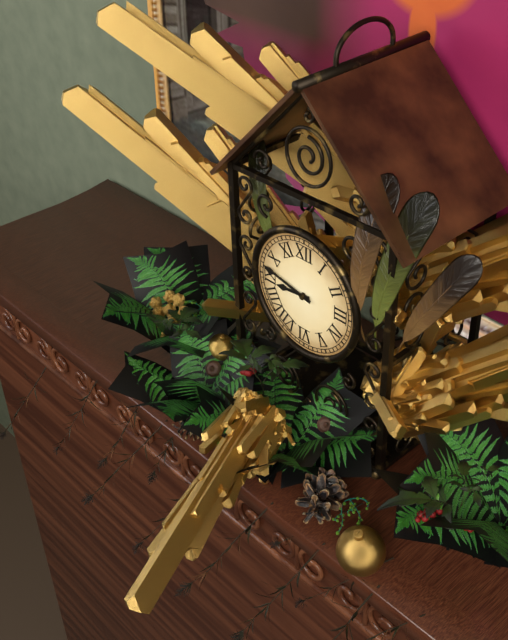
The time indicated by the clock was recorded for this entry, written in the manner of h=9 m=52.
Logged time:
h=8 m=47
